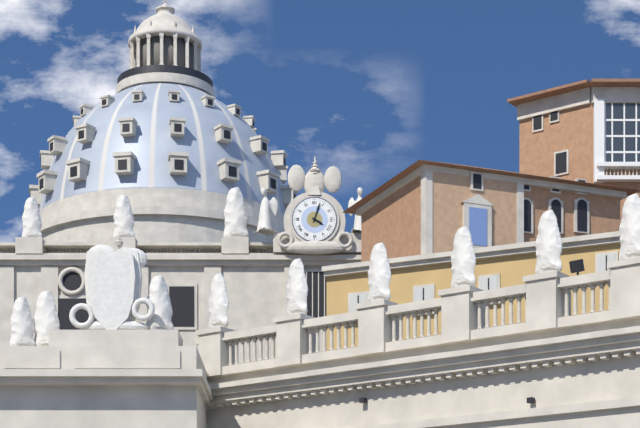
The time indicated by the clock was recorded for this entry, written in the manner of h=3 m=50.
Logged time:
h=4 m=3
